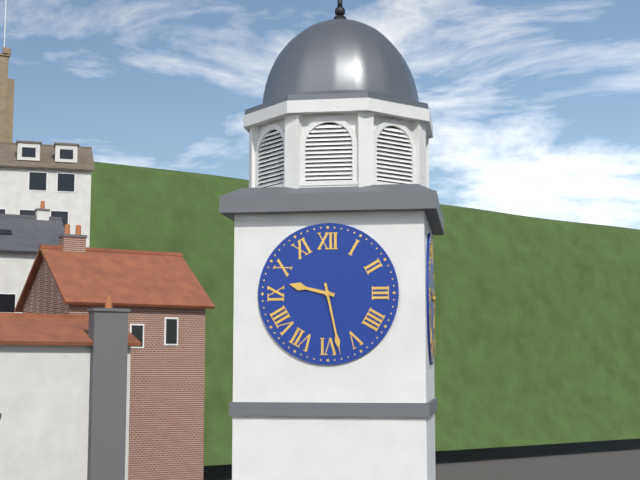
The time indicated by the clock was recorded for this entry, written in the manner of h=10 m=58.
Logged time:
h=9 m=28
